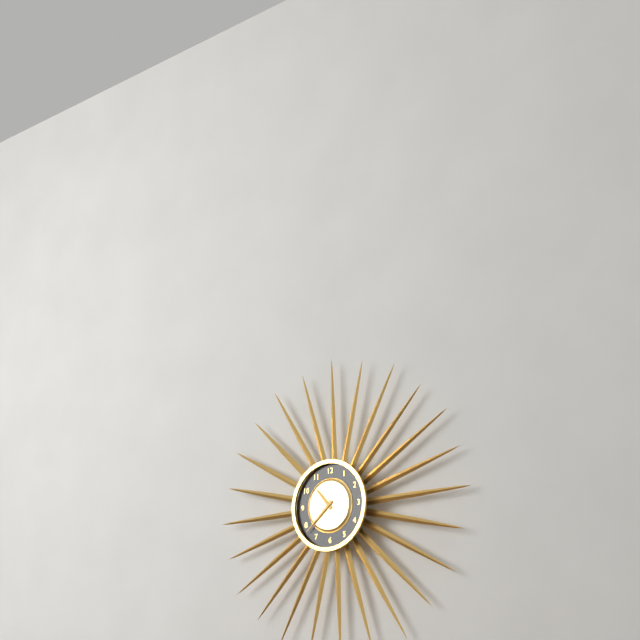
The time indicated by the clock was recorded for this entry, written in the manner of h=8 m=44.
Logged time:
h=10 m=38
